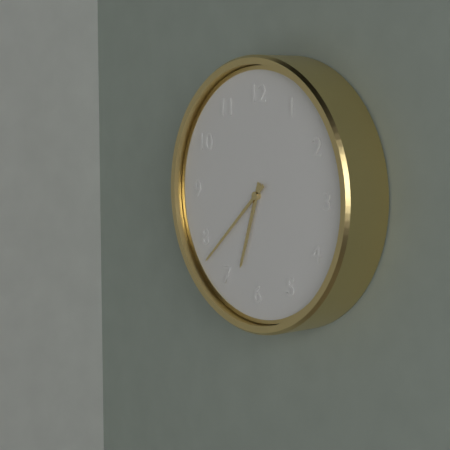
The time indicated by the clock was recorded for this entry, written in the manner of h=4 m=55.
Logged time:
h=6 m=38
